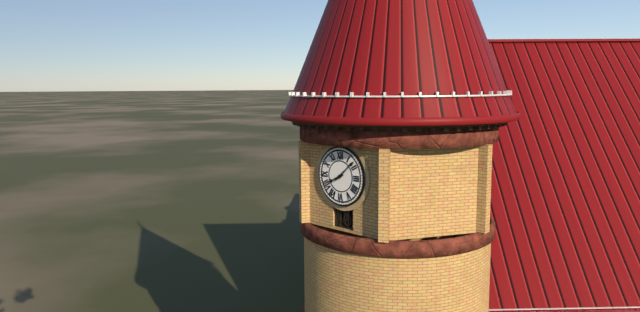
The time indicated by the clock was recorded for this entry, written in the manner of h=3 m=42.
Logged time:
h=8 m=8
